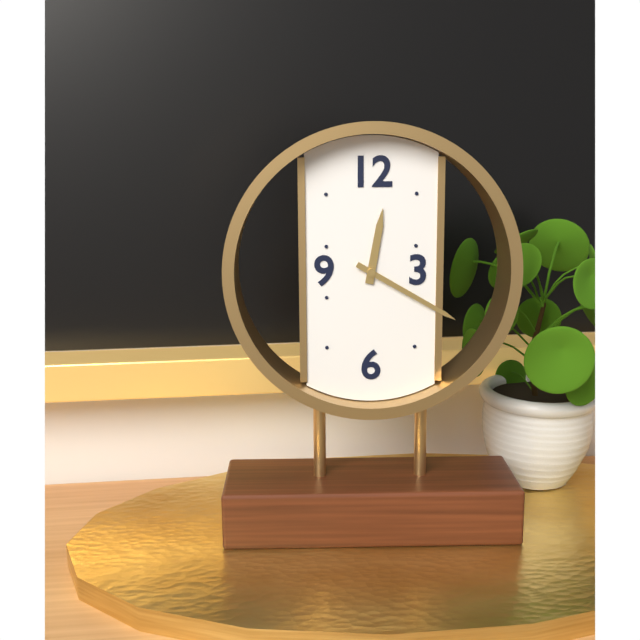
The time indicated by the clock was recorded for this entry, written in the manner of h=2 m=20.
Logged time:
h=12 m=20
